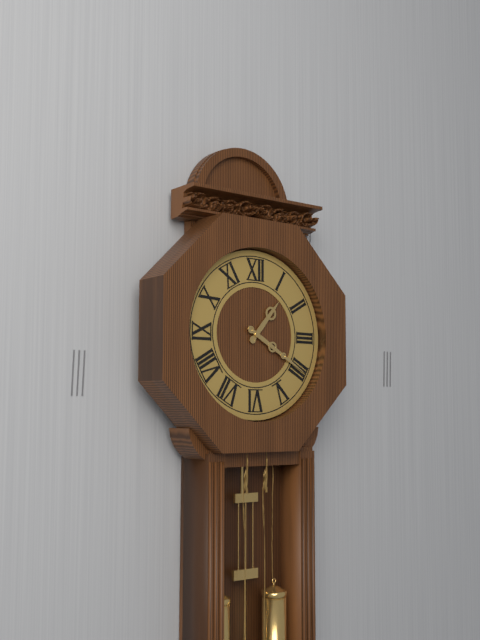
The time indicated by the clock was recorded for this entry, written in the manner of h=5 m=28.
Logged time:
h=1 m=20
